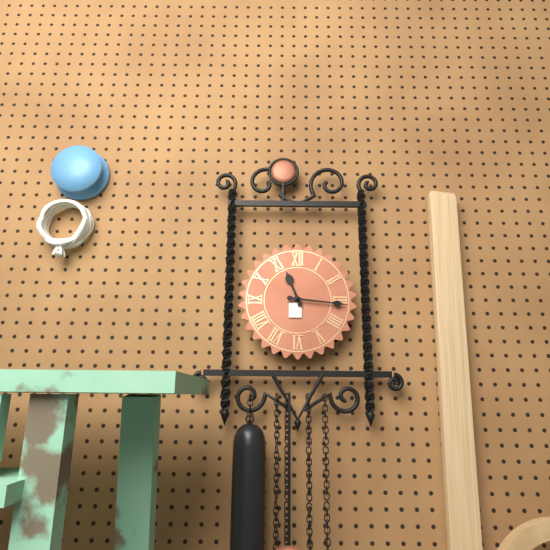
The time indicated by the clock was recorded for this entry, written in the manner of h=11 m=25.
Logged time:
h=11 m=16
